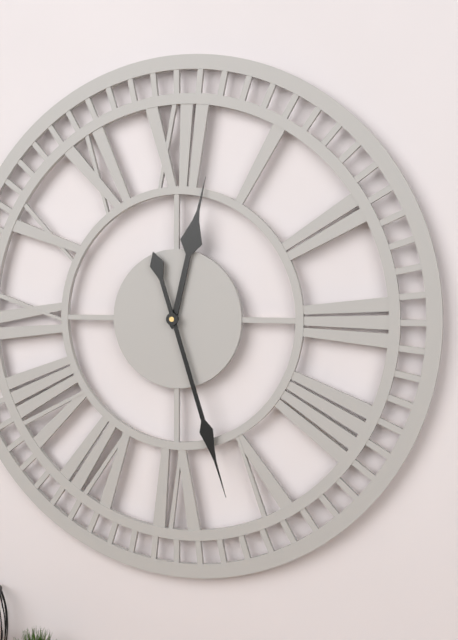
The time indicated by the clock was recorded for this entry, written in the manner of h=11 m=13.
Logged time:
h=12 m=27
